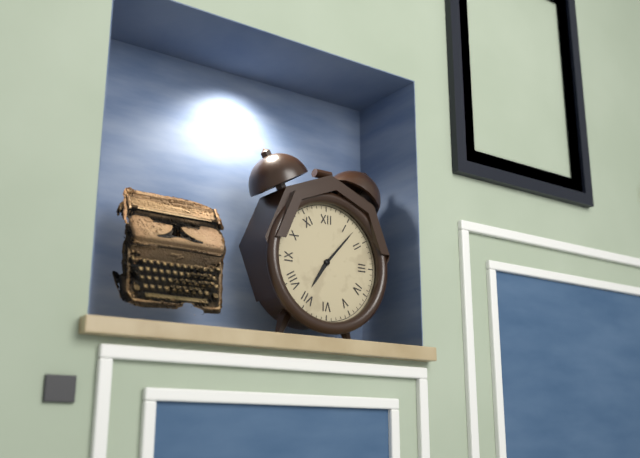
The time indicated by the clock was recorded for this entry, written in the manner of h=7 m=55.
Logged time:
h=7 m=7
